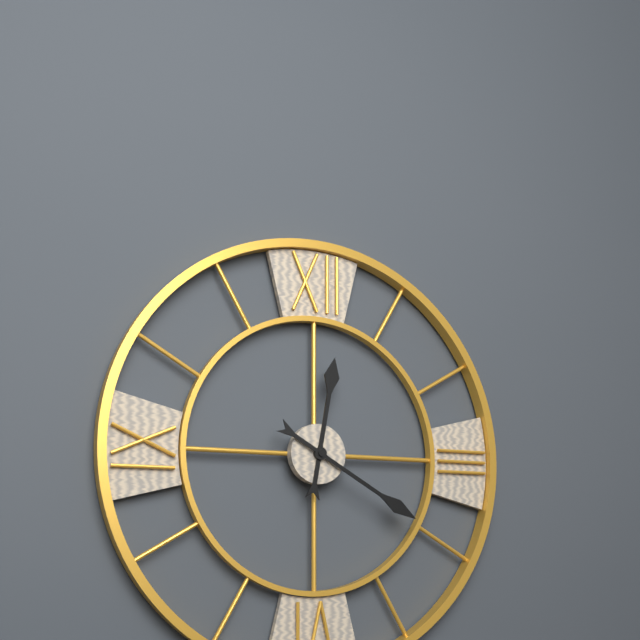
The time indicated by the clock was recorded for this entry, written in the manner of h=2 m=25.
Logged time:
h=12 m=20
